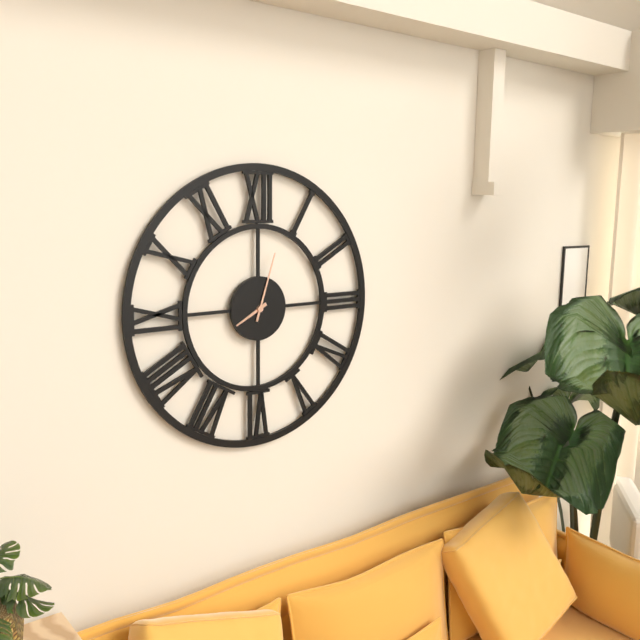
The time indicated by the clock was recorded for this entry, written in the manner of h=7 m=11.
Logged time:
h=8 m=3
